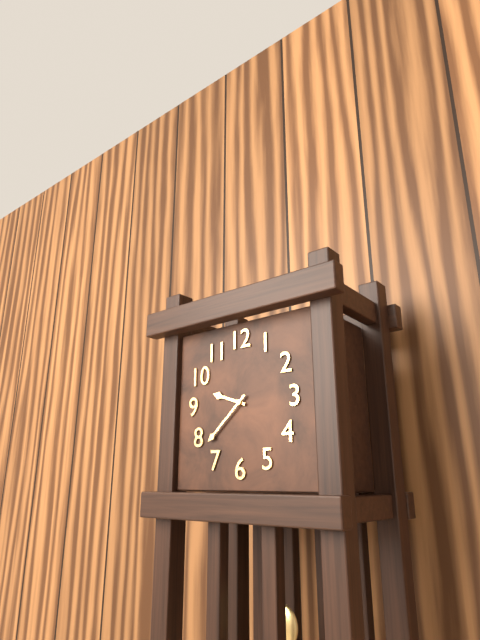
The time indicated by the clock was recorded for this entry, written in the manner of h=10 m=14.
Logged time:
h=9 m=38
